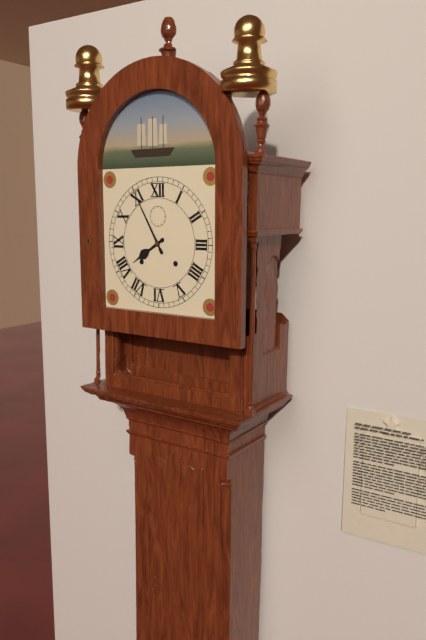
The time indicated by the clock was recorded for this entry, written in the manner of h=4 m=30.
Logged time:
h=7 m=55
